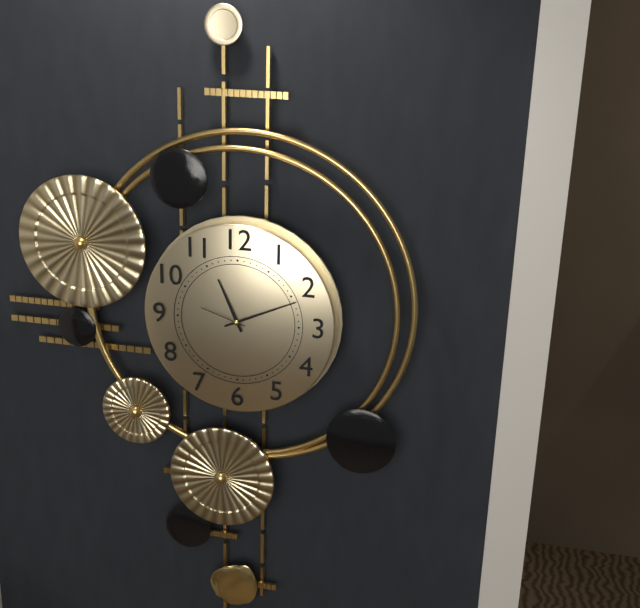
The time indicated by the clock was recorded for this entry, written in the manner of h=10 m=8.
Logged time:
h=11 m=11
